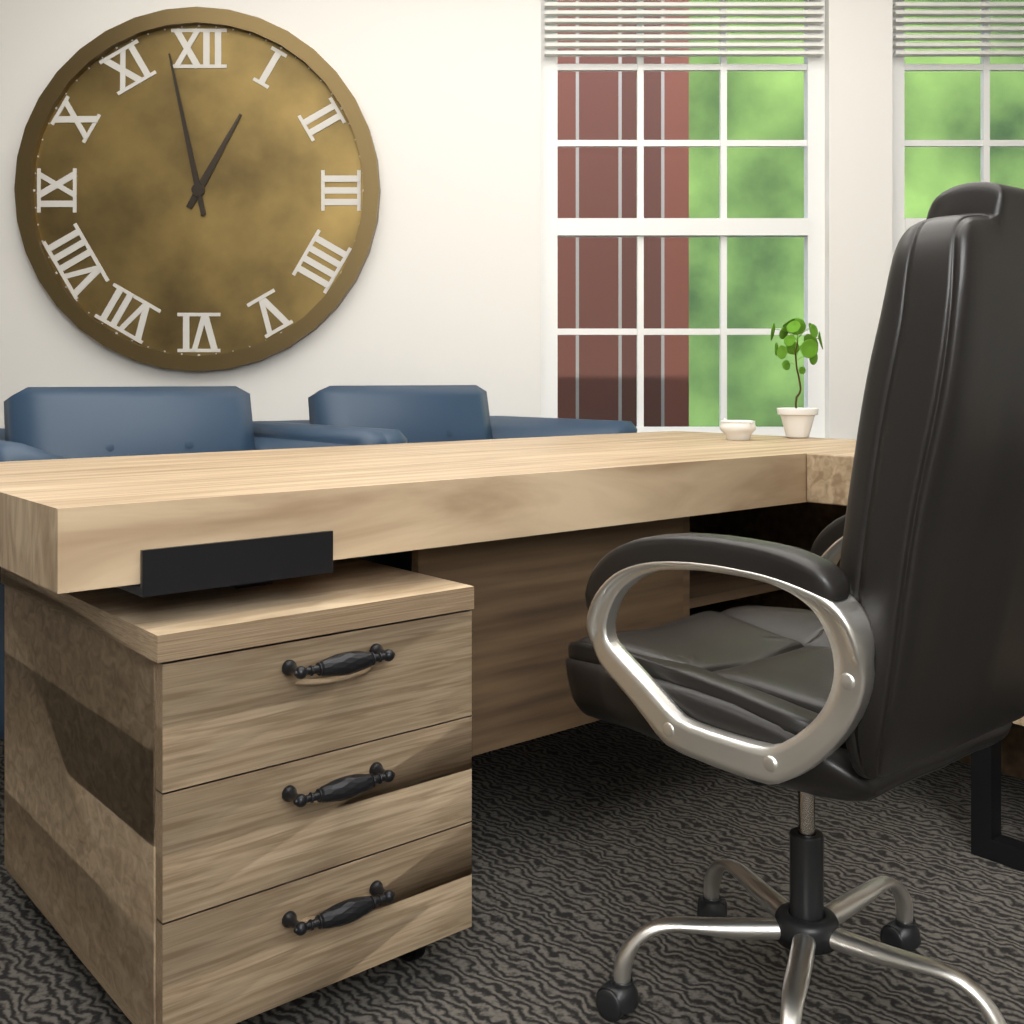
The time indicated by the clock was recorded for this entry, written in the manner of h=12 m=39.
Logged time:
h=12 m=58
